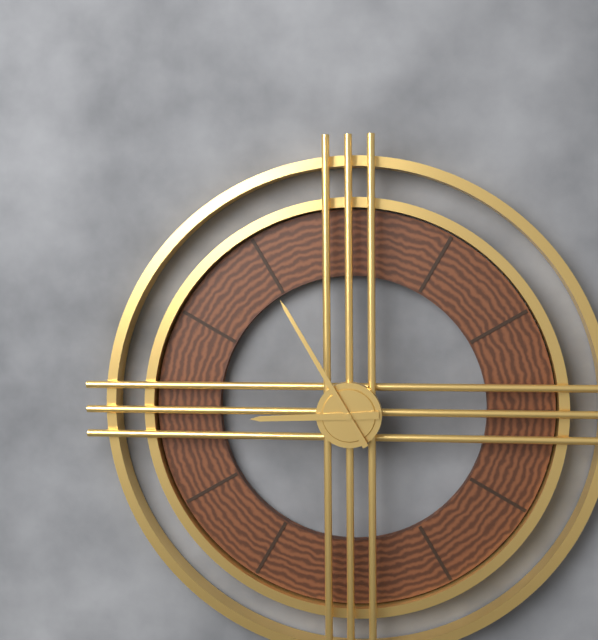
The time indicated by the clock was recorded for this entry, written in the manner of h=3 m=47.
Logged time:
h=8 m=55
